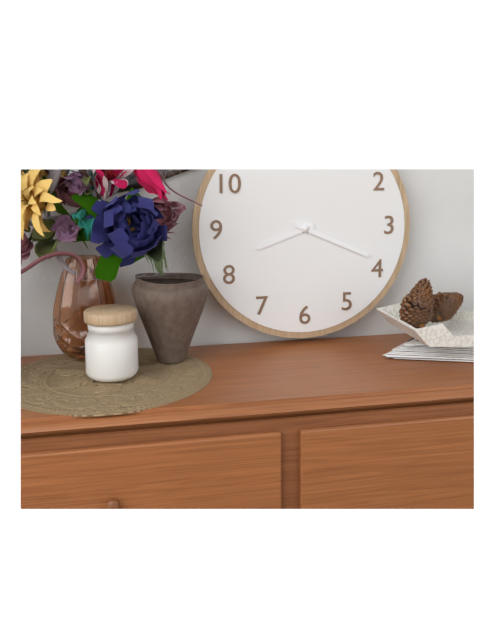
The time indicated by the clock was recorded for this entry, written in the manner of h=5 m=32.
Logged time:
h=8 m=19
